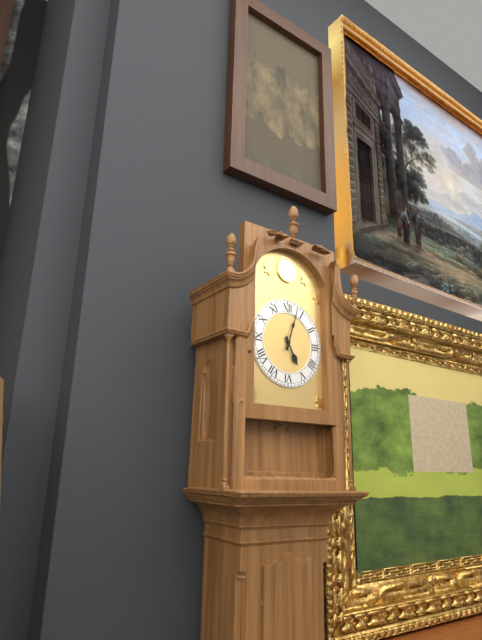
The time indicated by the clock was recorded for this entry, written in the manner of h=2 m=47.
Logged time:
h=5 m=3
